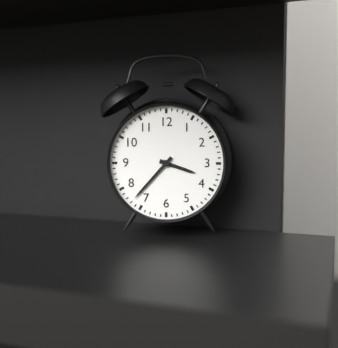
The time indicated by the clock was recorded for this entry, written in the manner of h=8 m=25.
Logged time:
h=3 m=37
